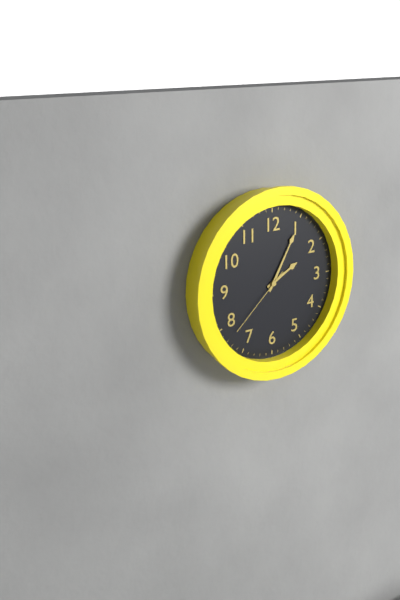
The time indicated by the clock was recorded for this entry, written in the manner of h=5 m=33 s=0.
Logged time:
h=2 m=5 s=38
